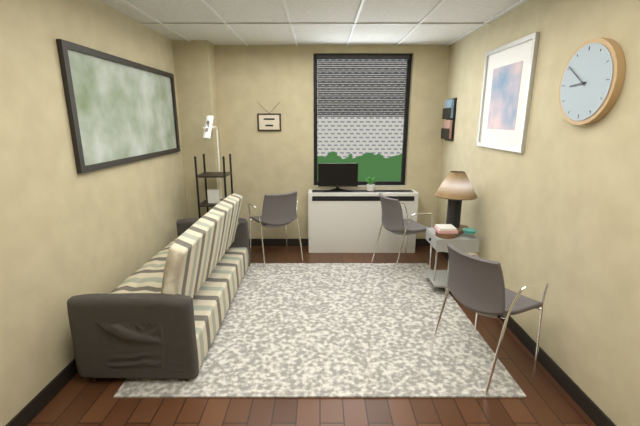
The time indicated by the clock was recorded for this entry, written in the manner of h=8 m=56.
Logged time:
h=8 m=51
